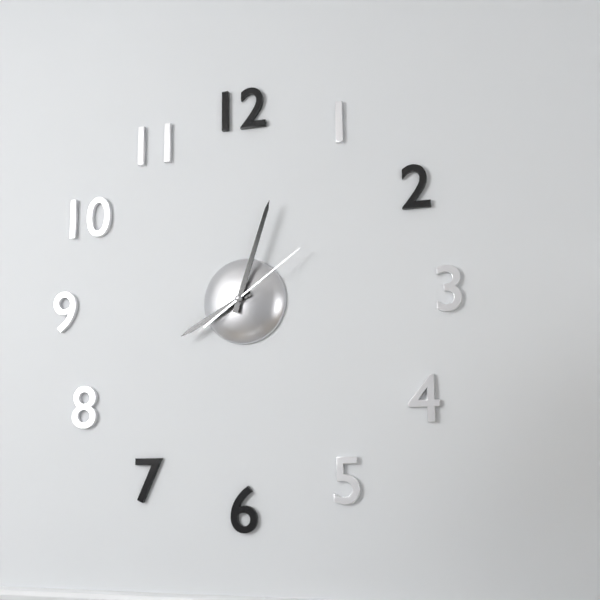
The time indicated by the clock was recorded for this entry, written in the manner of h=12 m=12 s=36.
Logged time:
h=8 m=3 s=9
